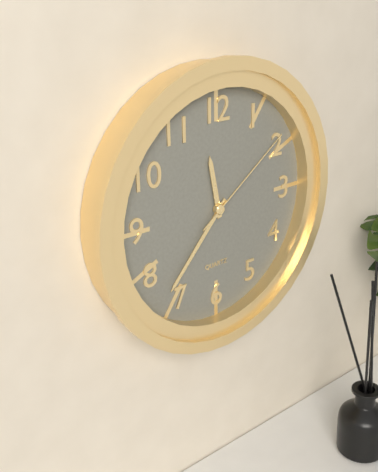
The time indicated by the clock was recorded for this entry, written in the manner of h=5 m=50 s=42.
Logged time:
h=11 m=37 s=9
